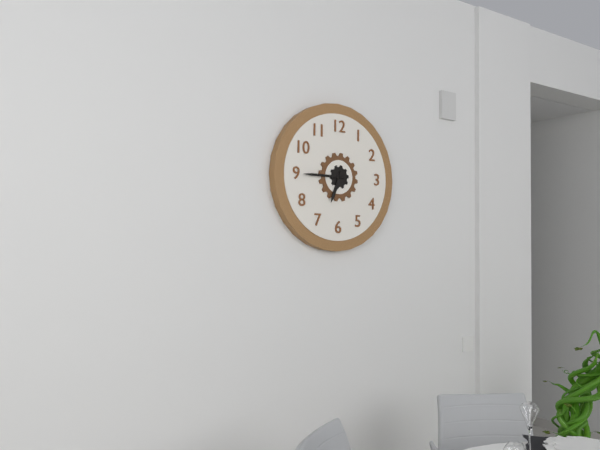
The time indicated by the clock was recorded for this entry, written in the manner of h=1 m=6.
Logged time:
h=6 m=45
